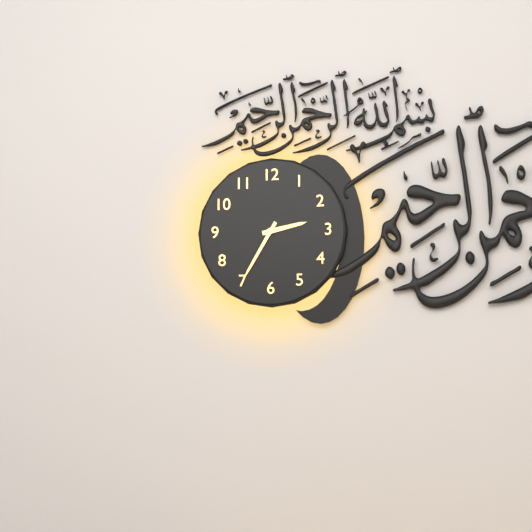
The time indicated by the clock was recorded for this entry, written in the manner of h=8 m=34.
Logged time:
h=2 m=35
